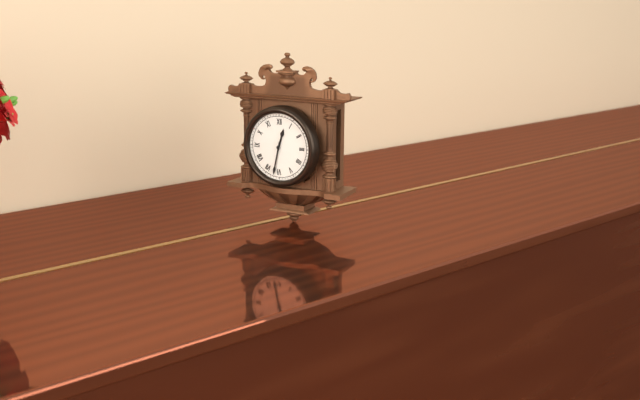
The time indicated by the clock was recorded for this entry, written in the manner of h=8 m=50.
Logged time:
h=12 m=32
